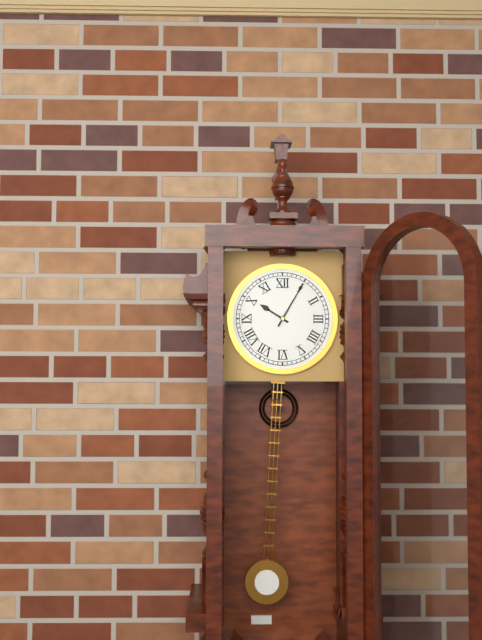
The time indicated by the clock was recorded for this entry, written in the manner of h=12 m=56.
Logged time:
h=10 m=5
